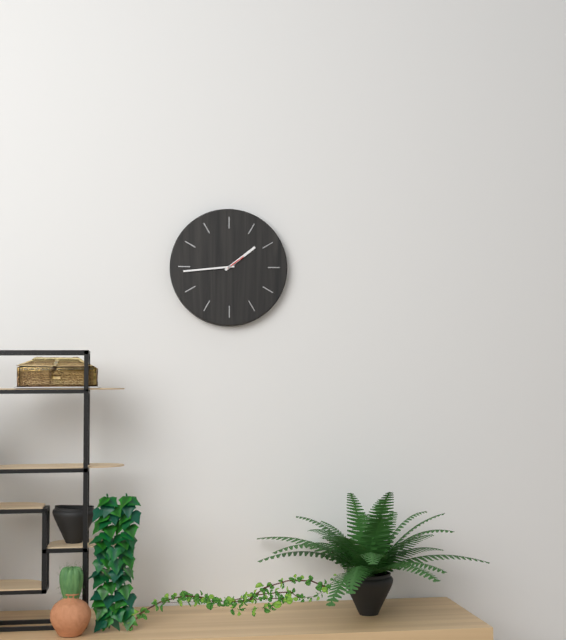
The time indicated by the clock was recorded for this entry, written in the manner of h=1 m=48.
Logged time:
h=1 m=44
